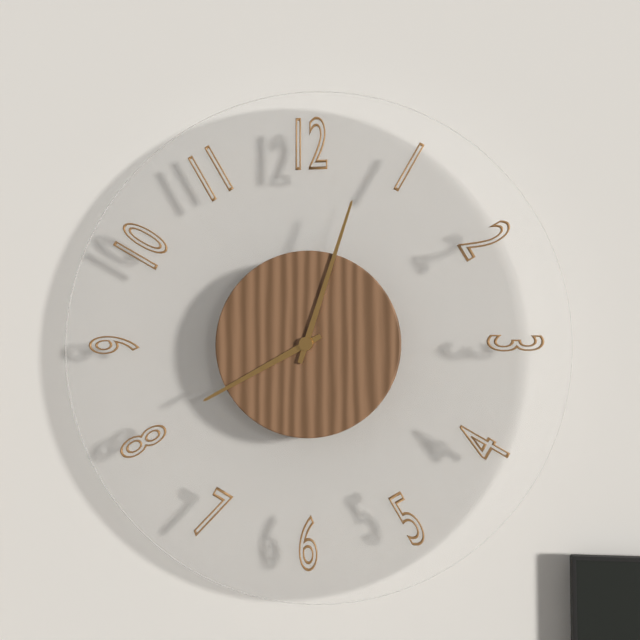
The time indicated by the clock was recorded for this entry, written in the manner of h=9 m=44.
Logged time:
h=8 m=3
